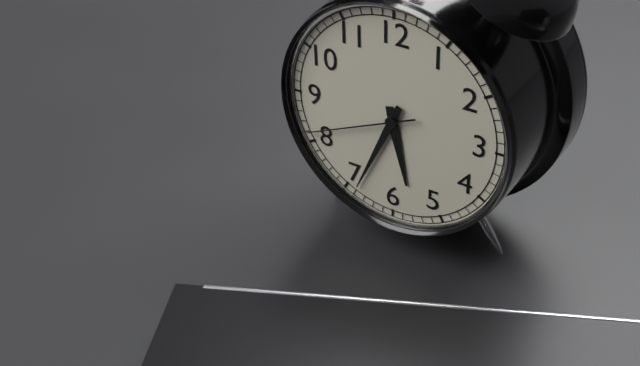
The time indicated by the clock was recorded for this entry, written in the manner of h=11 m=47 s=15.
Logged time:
h=5 m=34 s=41
